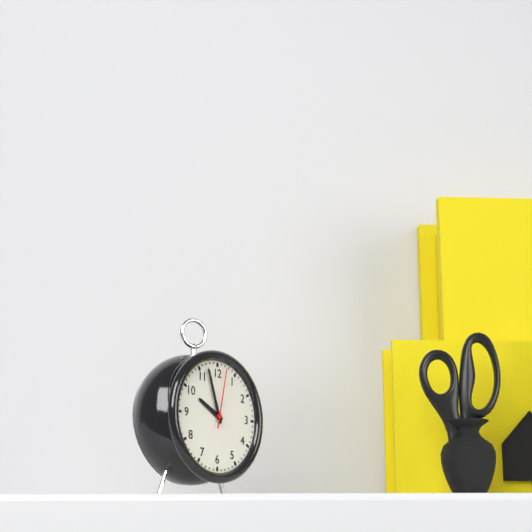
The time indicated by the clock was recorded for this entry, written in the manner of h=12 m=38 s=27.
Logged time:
h=9 m=57 s=2
